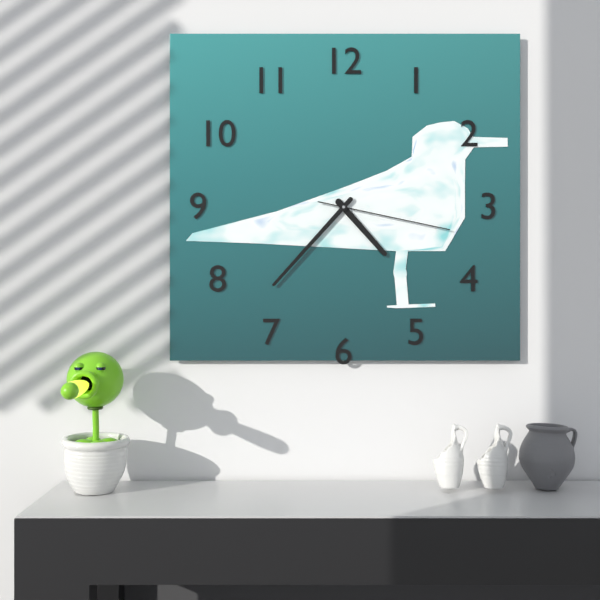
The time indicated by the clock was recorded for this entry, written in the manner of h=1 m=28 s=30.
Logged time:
h=4 m=37 s=17
